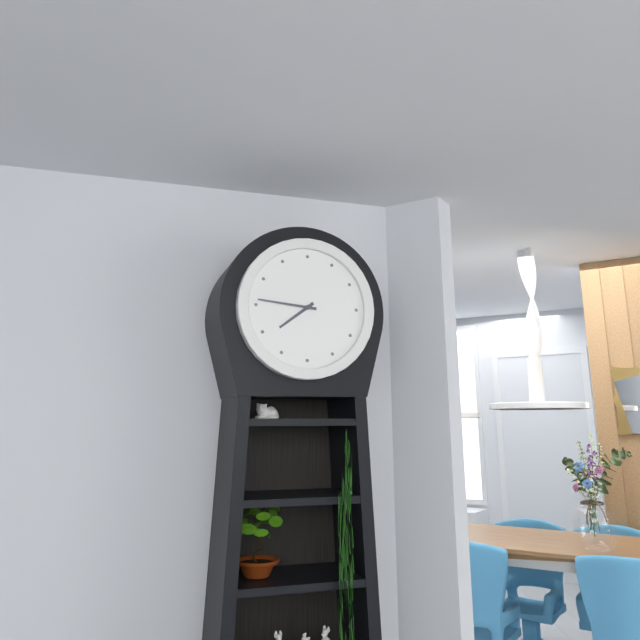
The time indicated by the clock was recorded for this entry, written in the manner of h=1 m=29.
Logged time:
h=7 m=46
